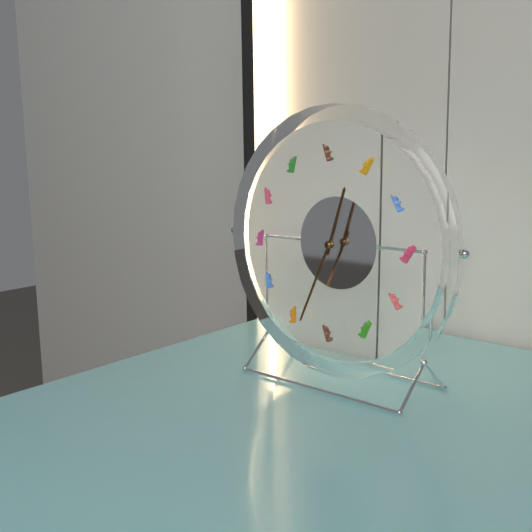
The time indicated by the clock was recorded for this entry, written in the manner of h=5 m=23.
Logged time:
h=12 m=34
